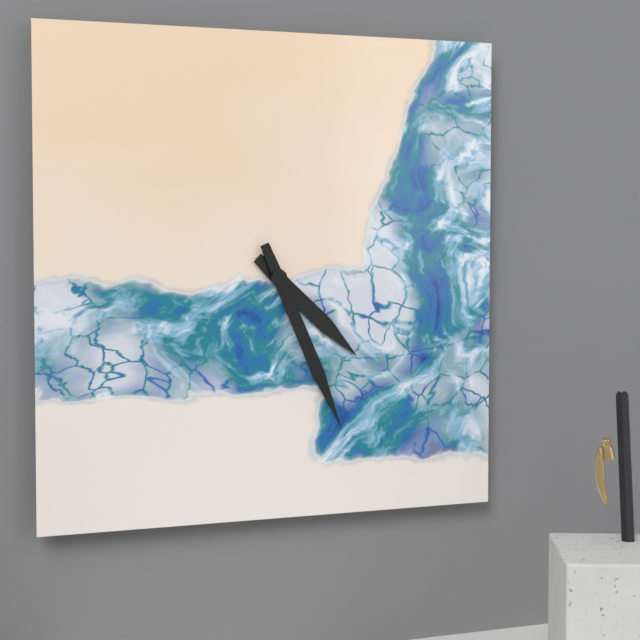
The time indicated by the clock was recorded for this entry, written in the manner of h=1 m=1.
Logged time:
h=4 m=26
